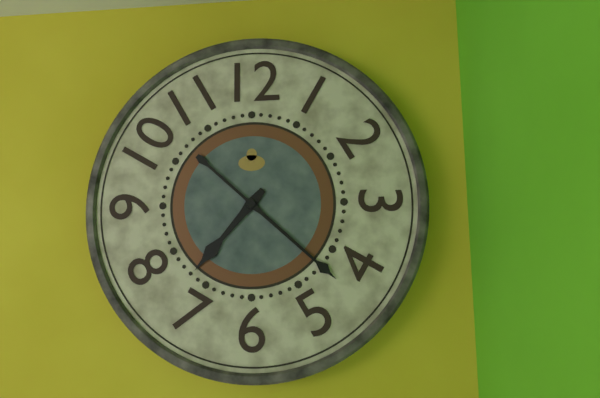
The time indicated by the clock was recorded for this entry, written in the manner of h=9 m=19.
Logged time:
h=7 m=22
